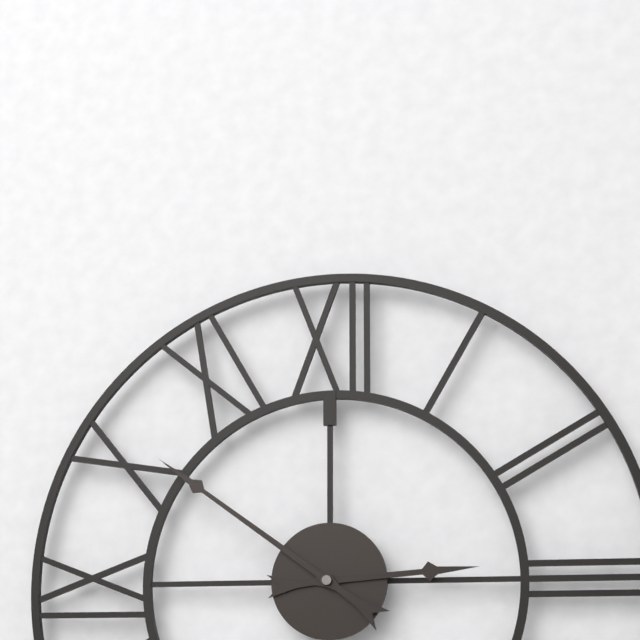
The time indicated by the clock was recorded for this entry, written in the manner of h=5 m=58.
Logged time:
h=2 m=51
